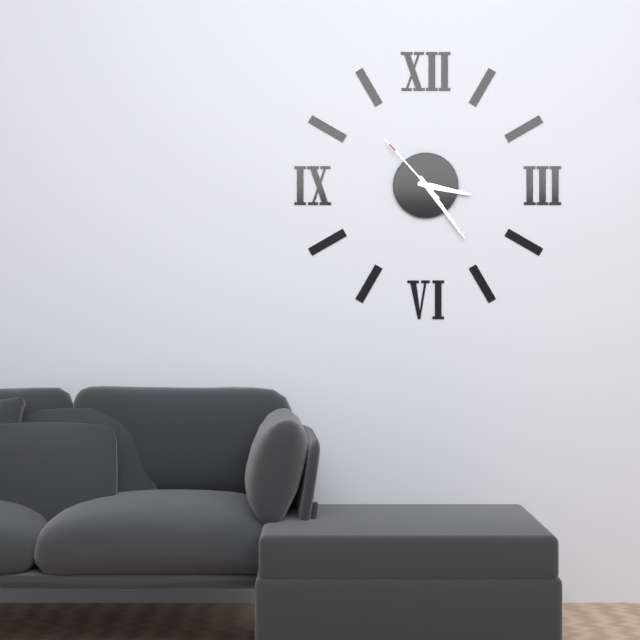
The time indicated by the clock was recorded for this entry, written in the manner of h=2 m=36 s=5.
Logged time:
h=3 m=24 s=53
